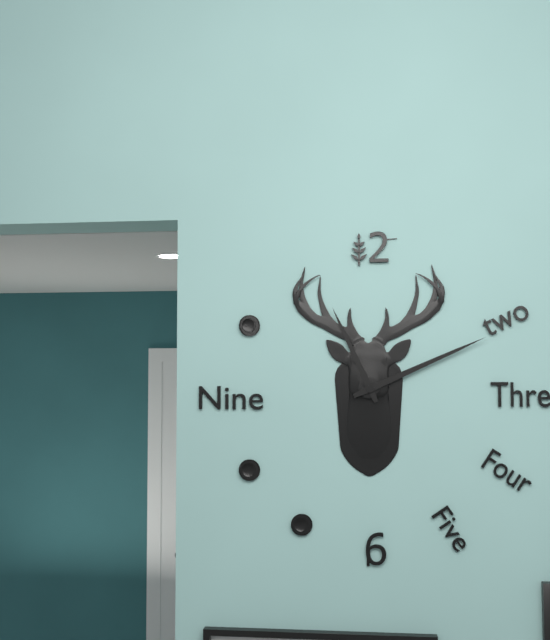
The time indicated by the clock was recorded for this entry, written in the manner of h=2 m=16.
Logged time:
h=11 m=11
